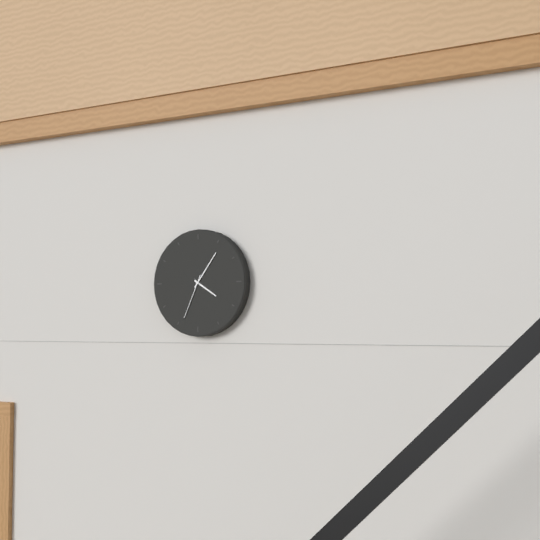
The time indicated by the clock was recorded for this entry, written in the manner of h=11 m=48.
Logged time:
h=4 m=6
